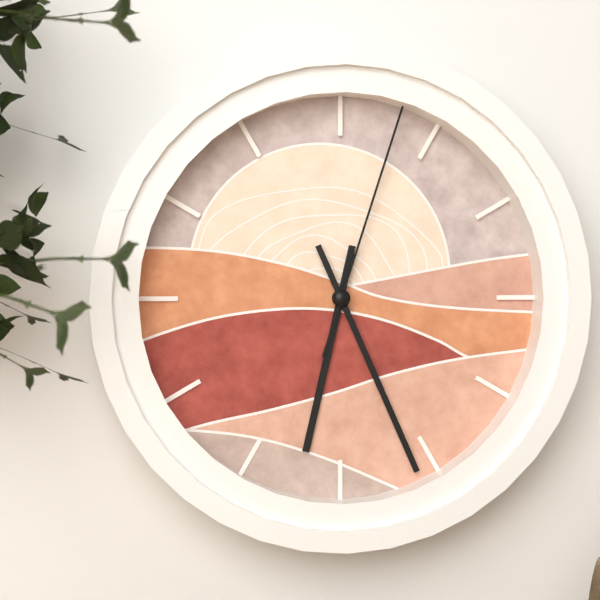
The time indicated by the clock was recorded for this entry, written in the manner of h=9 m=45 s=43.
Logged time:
h=6 m=26 s=3
